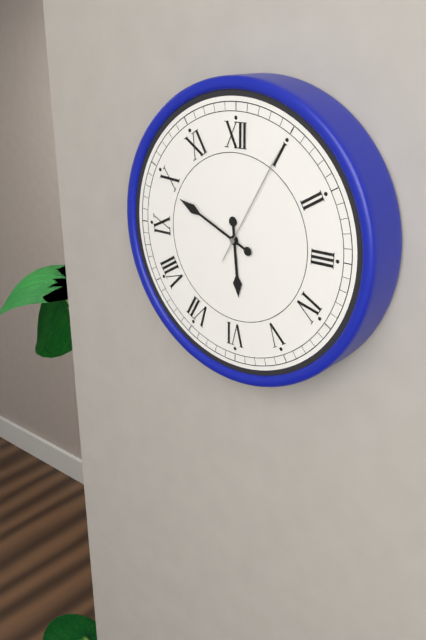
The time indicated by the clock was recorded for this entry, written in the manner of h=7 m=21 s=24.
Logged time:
h=5 m=49 s=5
